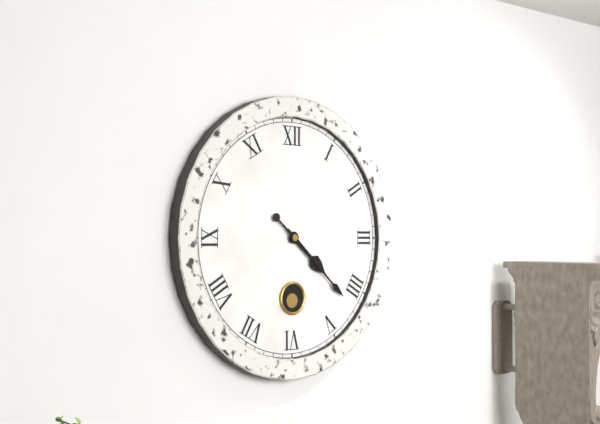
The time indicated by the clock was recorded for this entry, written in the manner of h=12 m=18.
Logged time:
h=4 m=22
